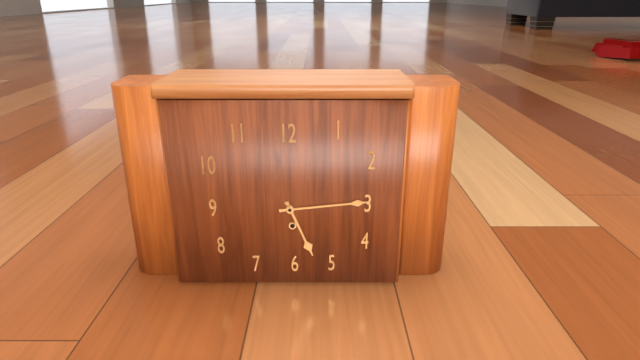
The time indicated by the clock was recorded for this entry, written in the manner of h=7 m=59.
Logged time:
h=5 m=14
